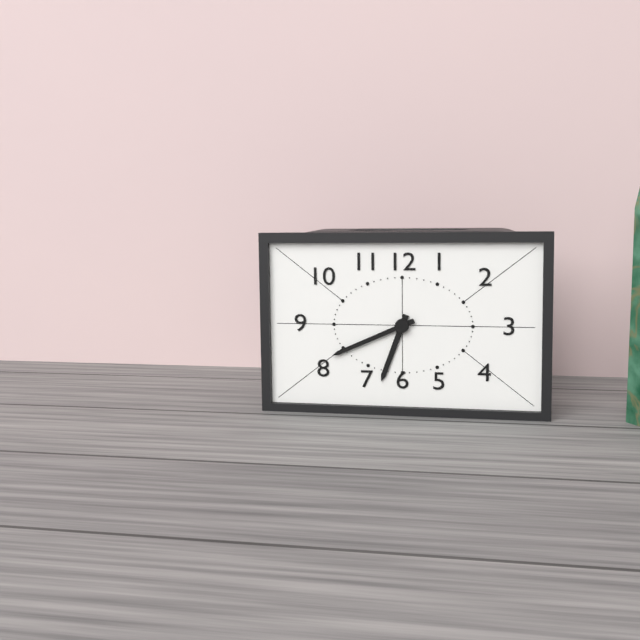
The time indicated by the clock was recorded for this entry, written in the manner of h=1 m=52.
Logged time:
h=6 m=41
